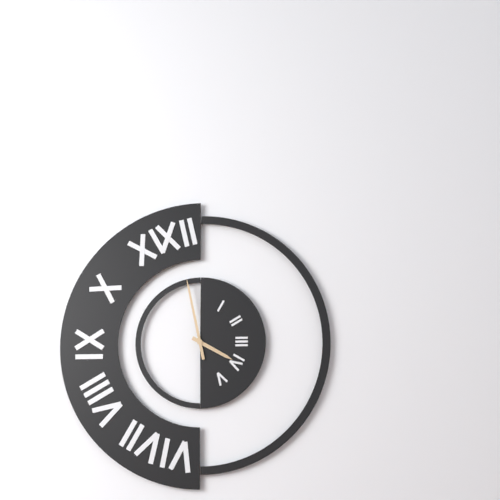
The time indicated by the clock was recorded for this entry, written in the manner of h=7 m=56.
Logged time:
h=3 m=58
